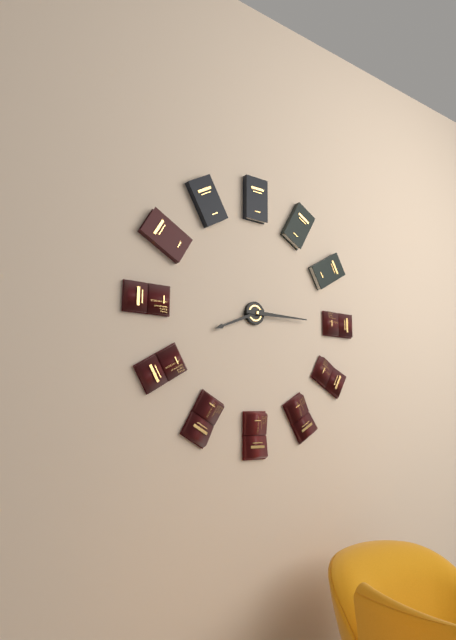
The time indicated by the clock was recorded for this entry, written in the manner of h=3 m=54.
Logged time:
h=8 m=15
